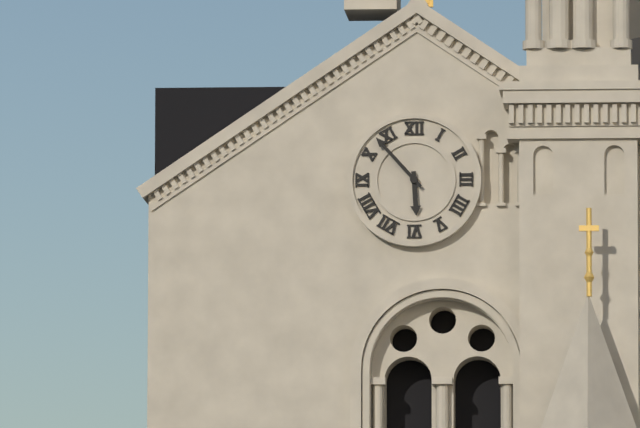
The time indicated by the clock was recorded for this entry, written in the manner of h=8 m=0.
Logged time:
h=5 m=53
